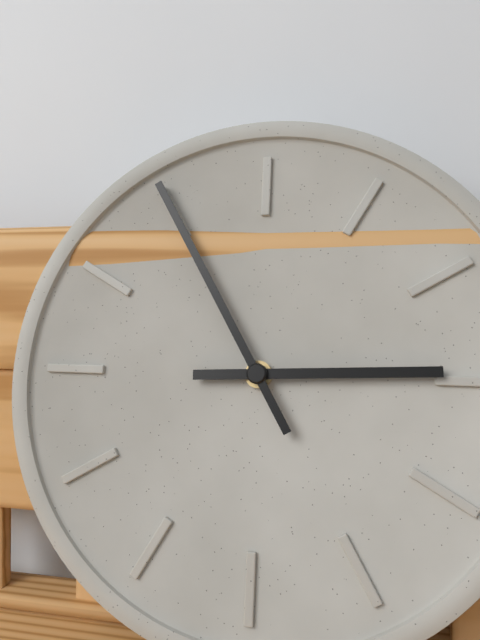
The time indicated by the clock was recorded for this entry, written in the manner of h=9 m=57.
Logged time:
h=2 m=55
